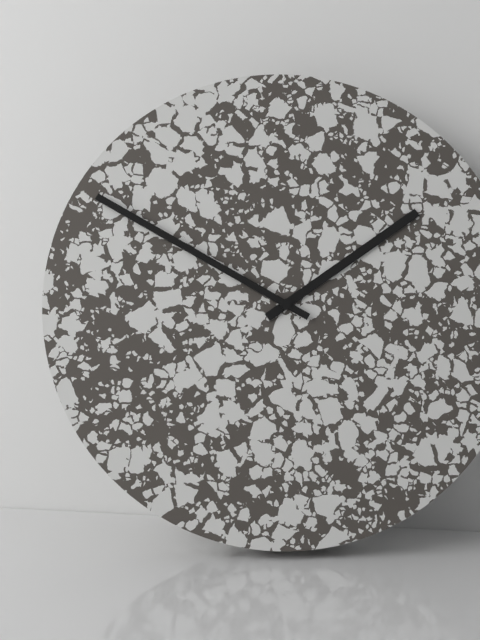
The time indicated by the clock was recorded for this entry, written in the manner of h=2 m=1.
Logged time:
h=1 m=50
